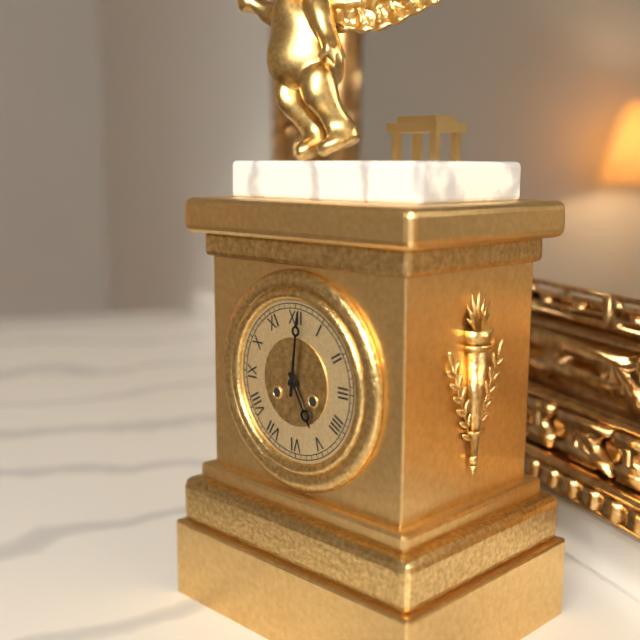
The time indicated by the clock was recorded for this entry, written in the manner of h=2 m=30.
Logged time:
h=5 m=1
